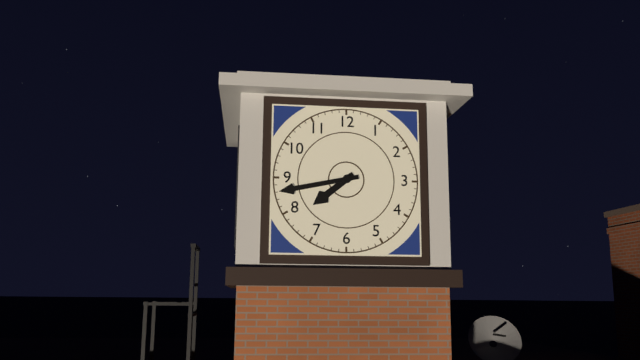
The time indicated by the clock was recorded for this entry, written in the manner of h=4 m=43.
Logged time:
h=7 m=43
